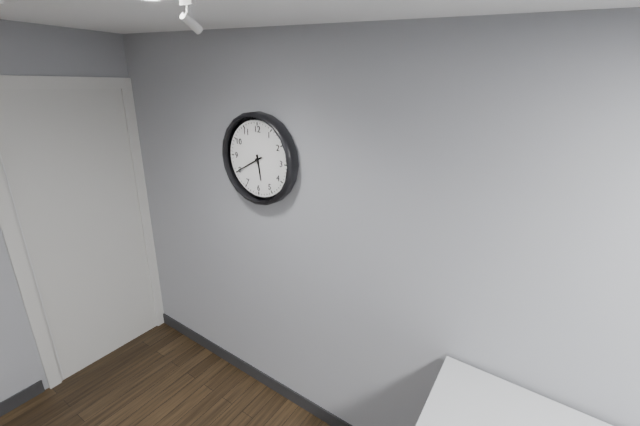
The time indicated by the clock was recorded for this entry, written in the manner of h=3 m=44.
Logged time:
h=5 m=40
